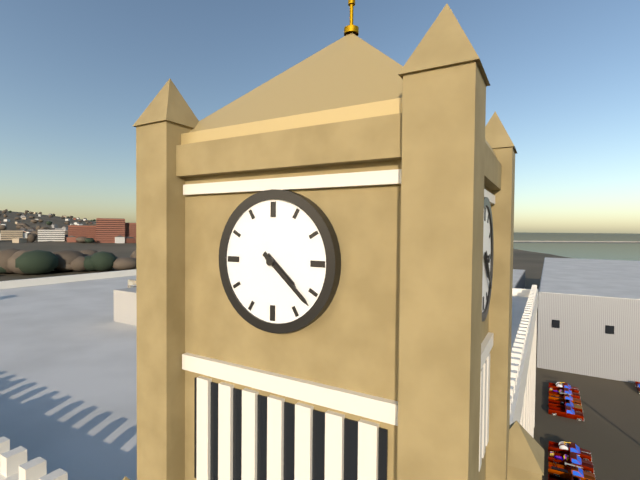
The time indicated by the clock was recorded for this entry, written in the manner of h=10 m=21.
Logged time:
h=4 m=22
